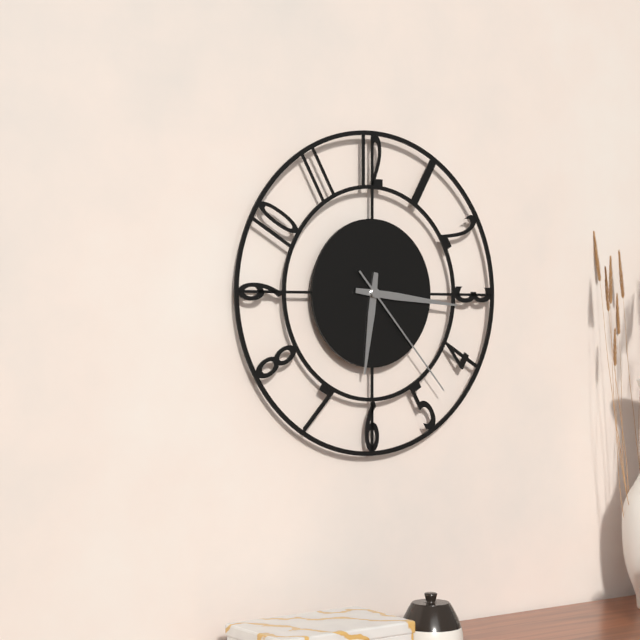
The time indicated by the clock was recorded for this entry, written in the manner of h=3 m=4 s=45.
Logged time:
h=6 m=16 s=23
